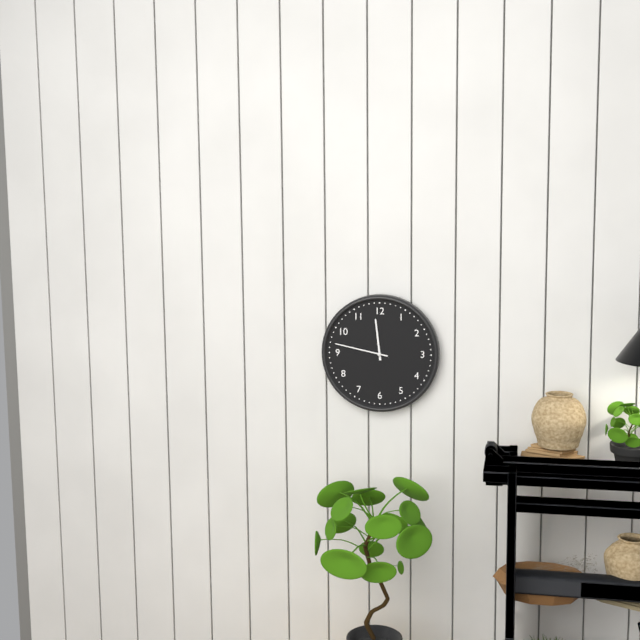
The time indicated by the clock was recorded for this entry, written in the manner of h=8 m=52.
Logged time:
h=11 m=47
